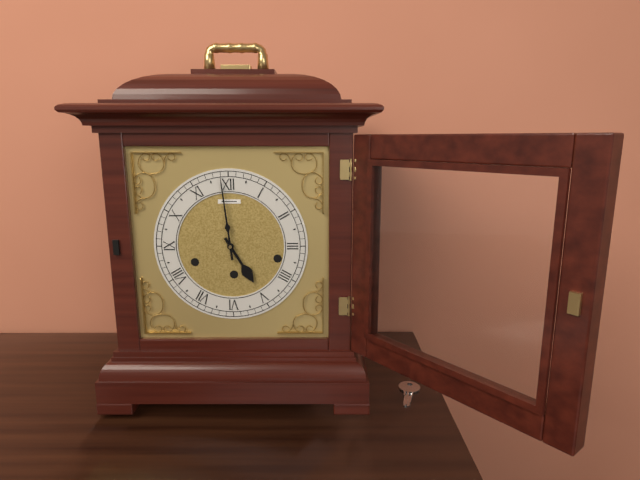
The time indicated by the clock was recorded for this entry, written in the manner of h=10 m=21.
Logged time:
h=4 m=59
